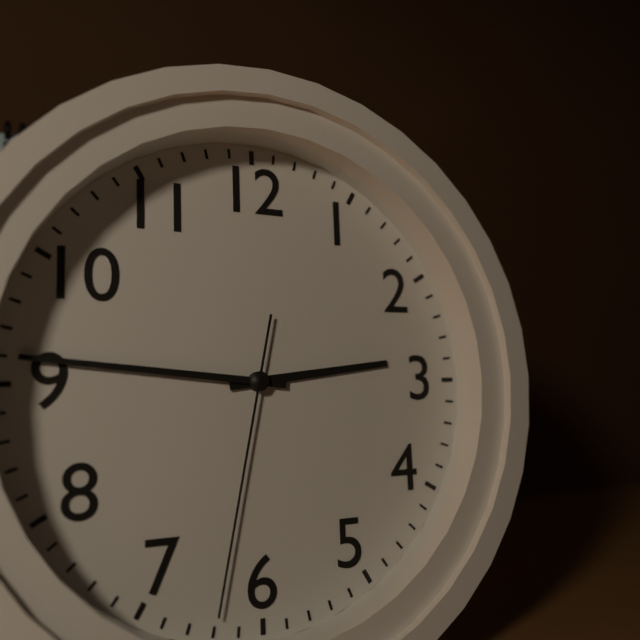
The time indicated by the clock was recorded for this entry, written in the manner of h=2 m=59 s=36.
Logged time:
h=2 m=46 s=32
